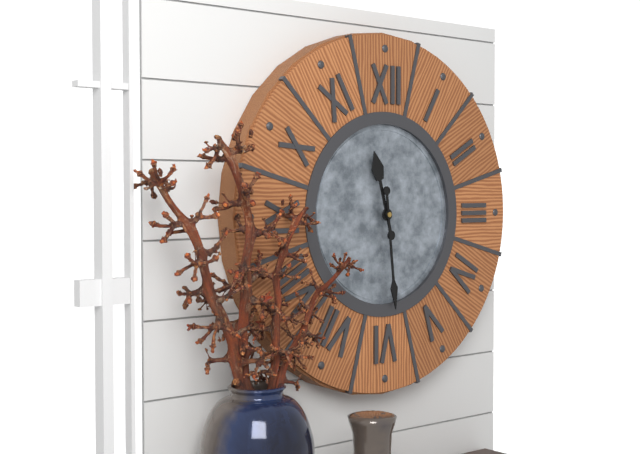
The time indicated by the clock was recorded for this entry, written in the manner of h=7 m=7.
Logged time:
h=11 m=29
